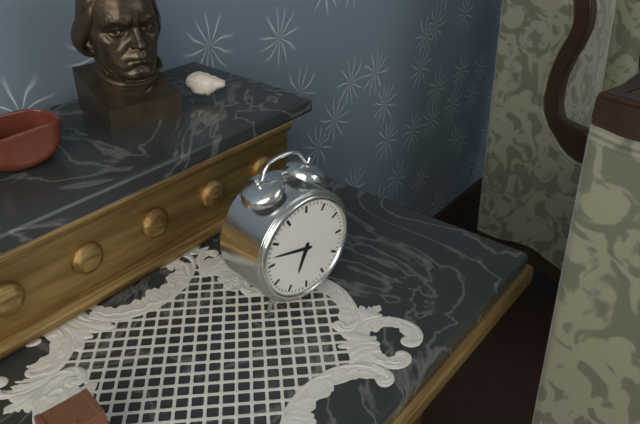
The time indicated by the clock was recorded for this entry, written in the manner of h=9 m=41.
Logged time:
h=6 m=47
